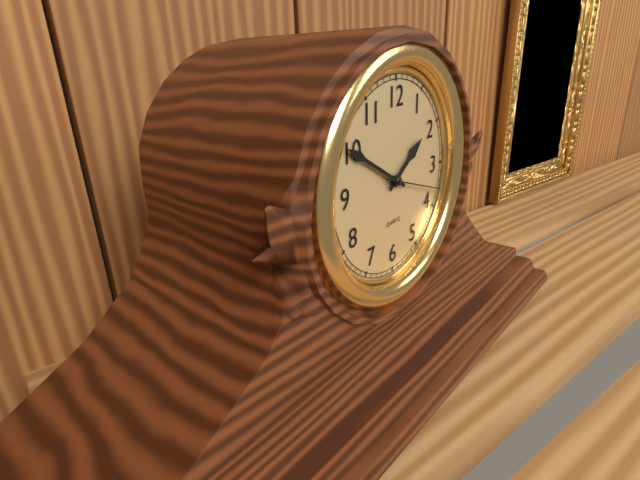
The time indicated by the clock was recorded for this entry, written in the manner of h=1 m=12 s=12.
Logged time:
h=1 m=50 s=18
